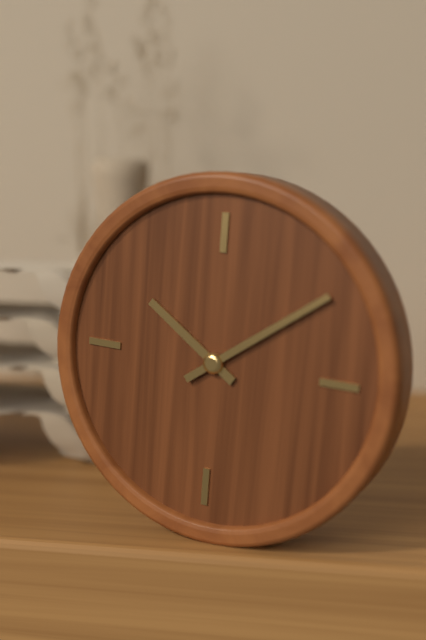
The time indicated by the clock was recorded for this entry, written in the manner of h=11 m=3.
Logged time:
h=10 m=9
